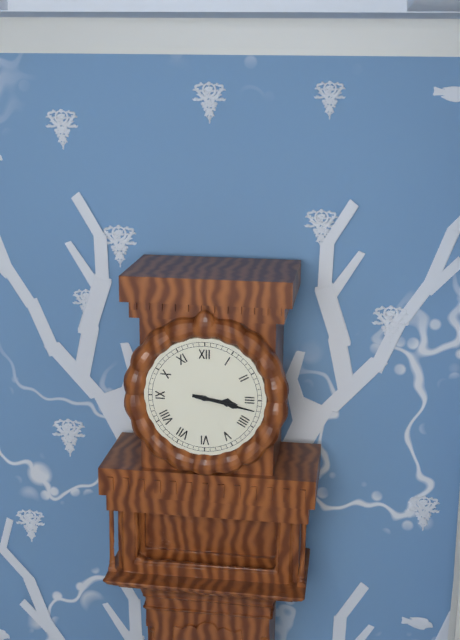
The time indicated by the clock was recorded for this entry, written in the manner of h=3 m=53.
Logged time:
h=3 m=17
